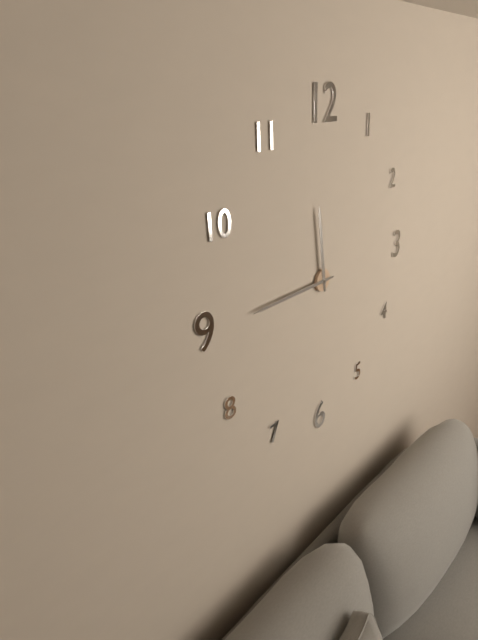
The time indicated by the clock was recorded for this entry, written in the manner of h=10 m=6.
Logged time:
h=11 m=45
